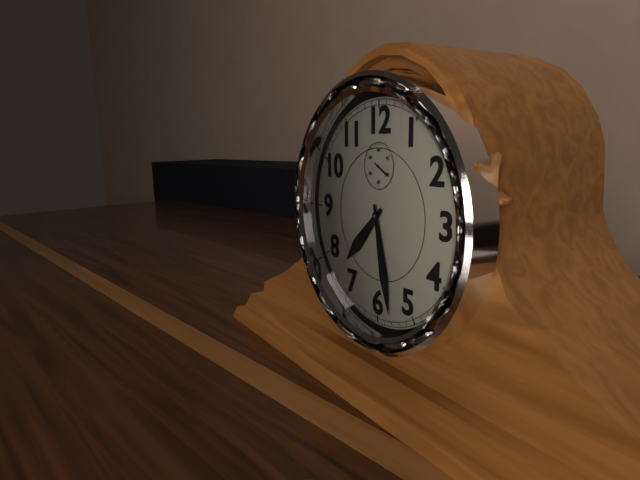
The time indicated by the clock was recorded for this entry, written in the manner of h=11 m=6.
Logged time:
h=7 m=28
